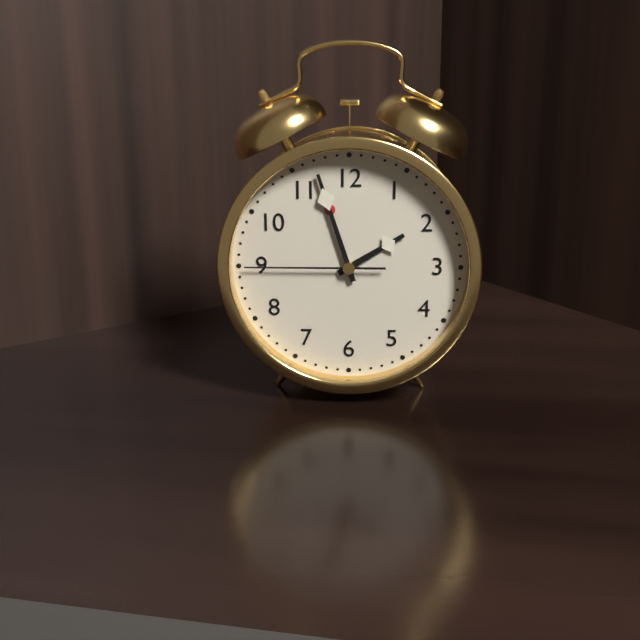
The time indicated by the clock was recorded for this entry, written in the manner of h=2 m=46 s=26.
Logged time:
h=1 m=57 s=45
